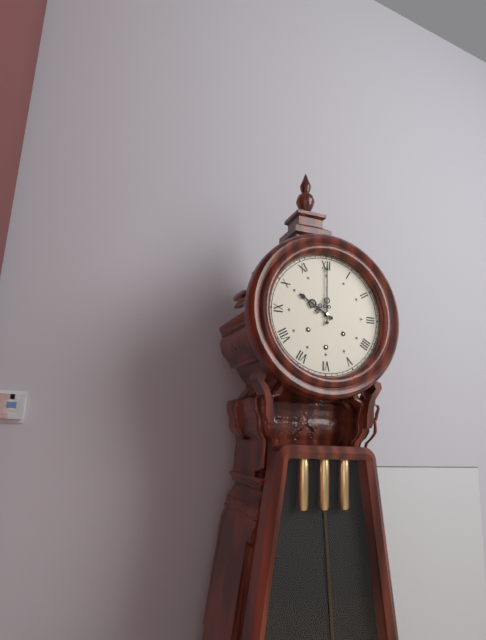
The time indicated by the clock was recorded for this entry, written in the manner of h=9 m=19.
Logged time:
h=10 m=0
